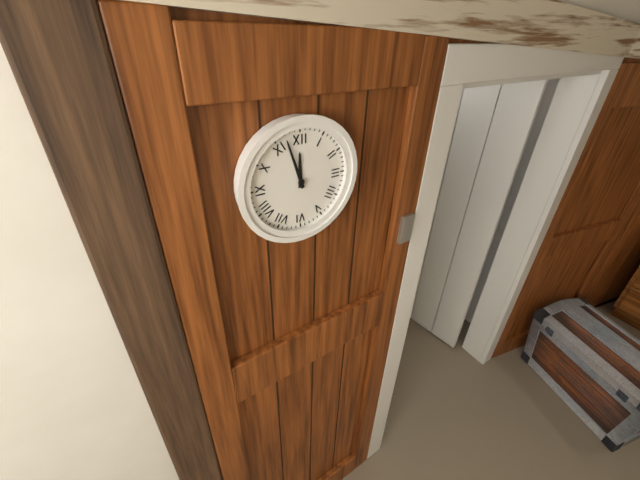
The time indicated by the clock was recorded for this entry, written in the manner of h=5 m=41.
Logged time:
h=11 m=57
